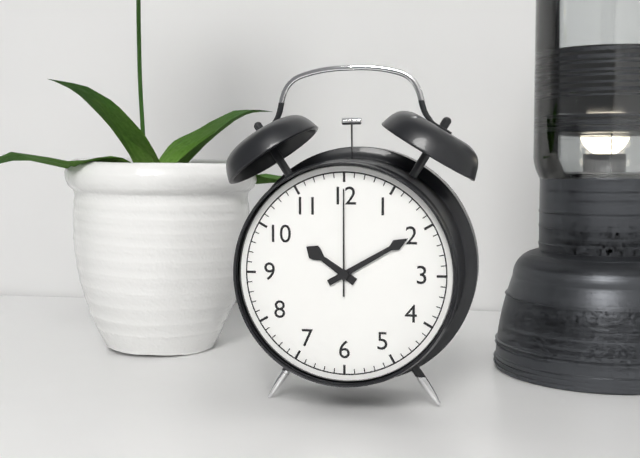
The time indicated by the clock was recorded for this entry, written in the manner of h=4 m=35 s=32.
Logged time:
h=10 m=10 s=0
